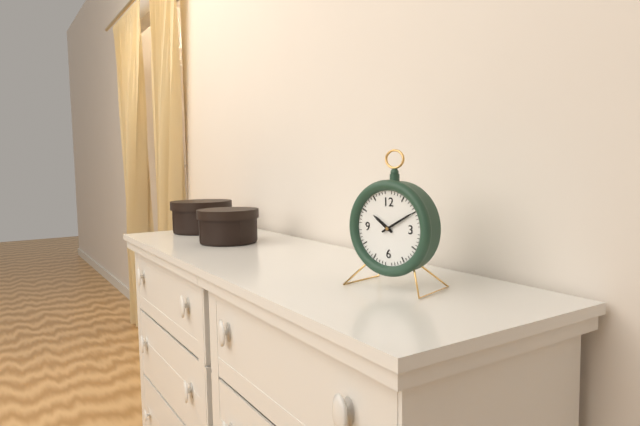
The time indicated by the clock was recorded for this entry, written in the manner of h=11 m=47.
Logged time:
h=10 m=10
